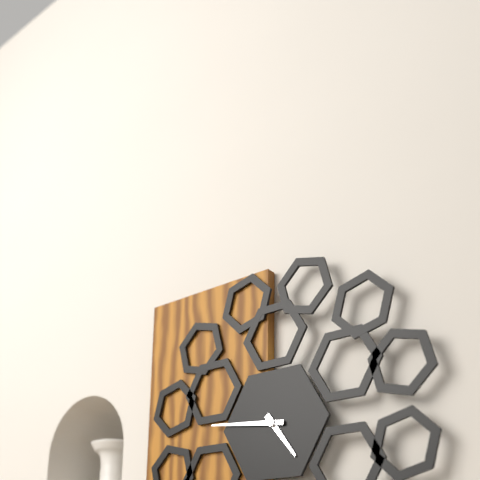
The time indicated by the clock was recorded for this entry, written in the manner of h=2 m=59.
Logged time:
h=4 m=46
